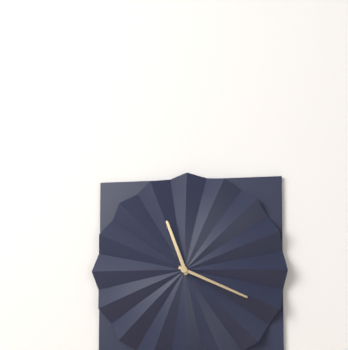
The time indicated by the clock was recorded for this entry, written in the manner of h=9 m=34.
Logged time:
h=11 m=19
